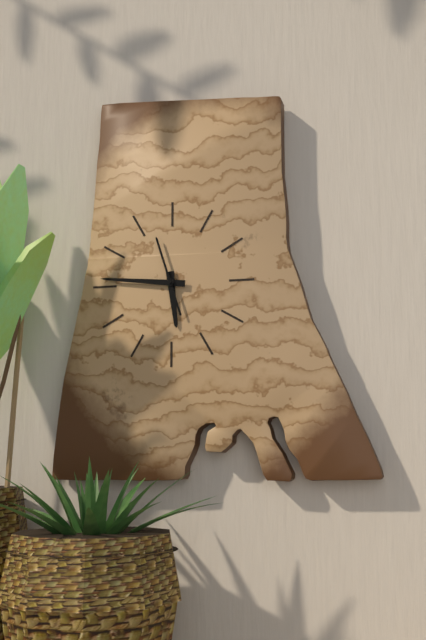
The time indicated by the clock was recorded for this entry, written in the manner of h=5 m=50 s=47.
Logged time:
h=5 m=46 s=57
